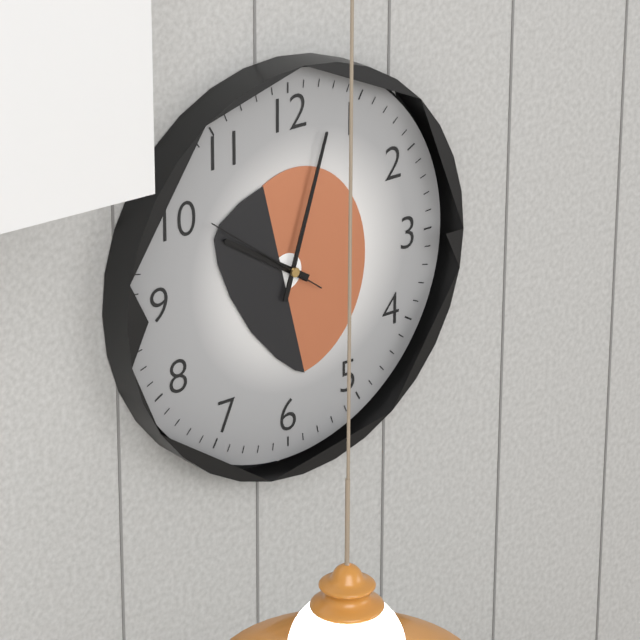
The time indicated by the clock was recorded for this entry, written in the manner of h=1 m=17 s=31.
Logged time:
h=10 m=3 s=51
